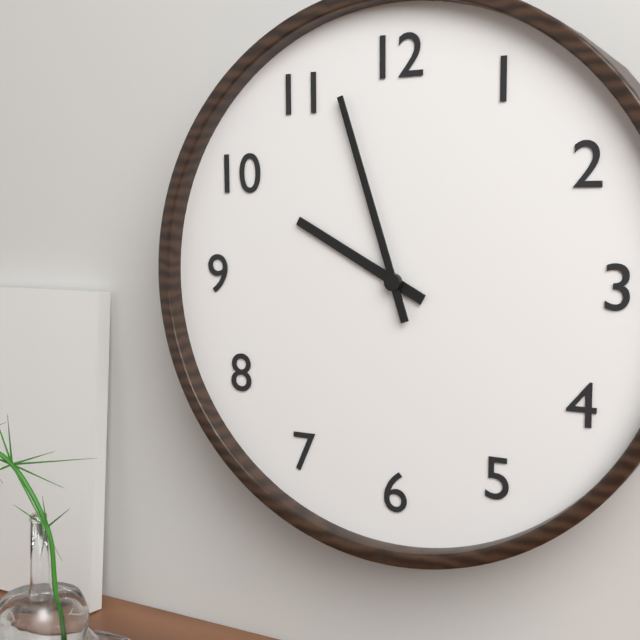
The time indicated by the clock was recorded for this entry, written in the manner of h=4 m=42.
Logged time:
h=9 m=57
